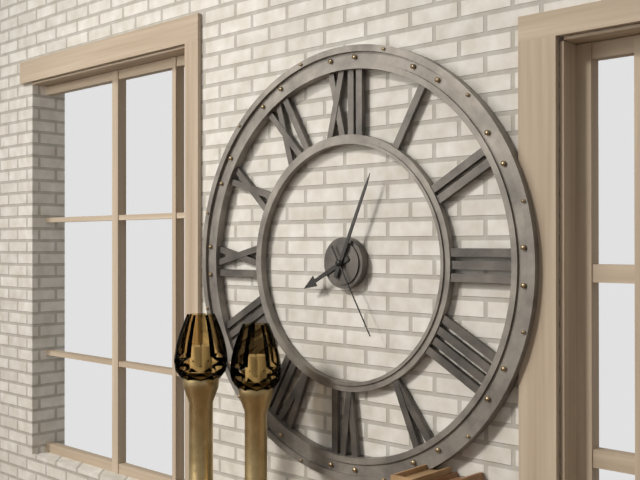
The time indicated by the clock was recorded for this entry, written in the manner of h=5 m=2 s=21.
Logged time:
h=8 m=4 s=25
